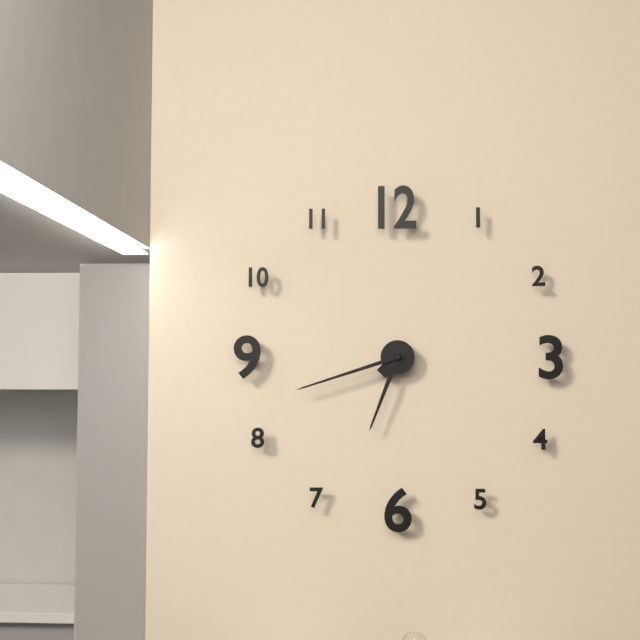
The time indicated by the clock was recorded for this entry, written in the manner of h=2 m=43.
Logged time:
h=6 m=42
